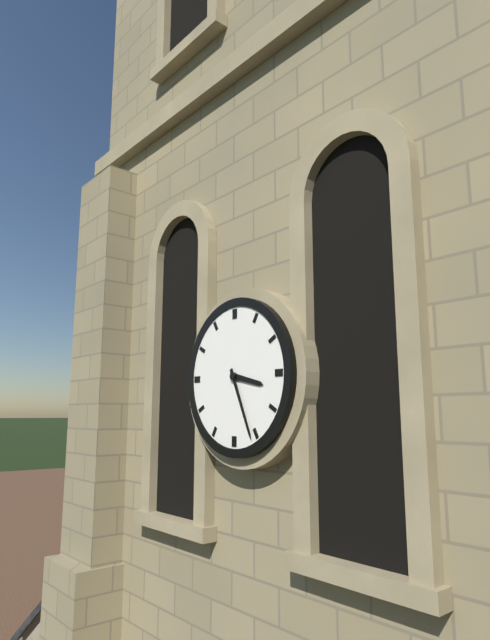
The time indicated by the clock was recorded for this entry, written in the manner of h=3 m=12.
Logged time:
h=3 m=26
